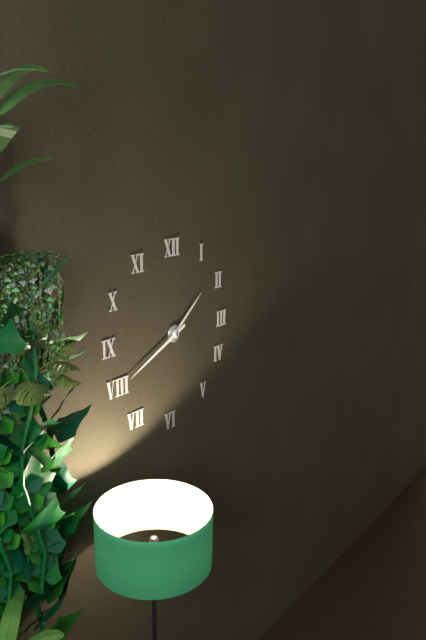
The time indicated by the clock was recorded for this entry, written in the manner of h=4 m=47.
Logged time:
h=1 m=41
